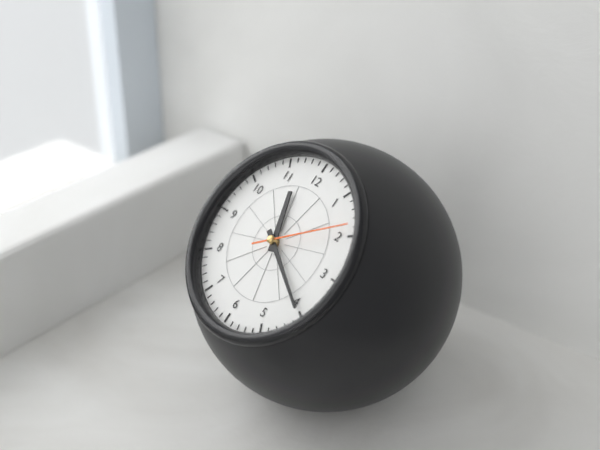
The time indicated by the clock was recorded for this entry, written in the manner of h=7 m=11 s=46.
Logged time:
h=11 m=20 s=9
